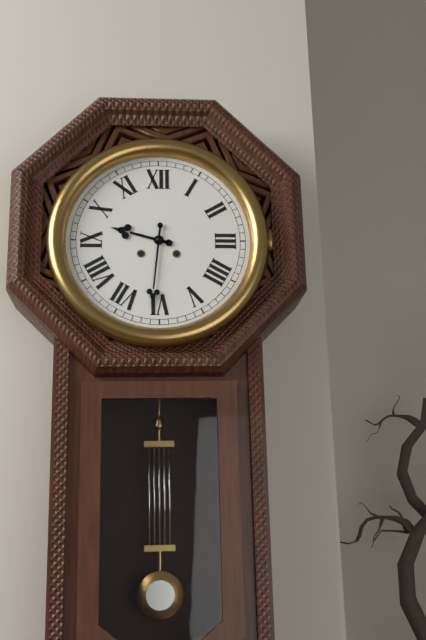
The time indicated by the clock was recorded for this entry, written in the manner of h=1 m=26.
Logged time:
h=9 m=31
